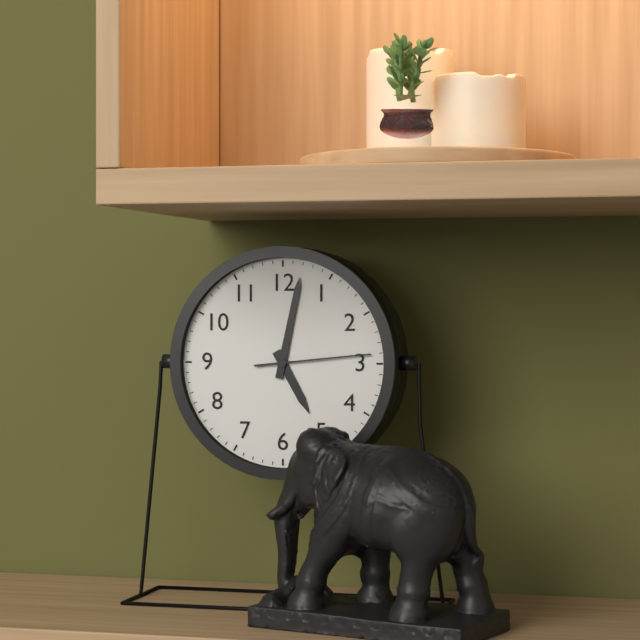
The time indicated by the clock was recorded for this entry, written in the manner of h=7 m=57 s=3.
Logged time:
h=5 m=2 s=14
